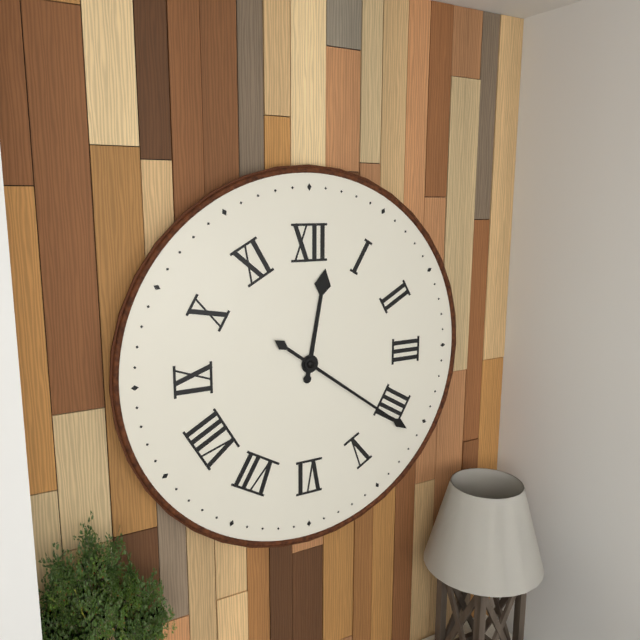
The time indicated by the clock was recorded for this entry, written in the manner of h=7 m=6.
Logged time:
h=12 m=21
